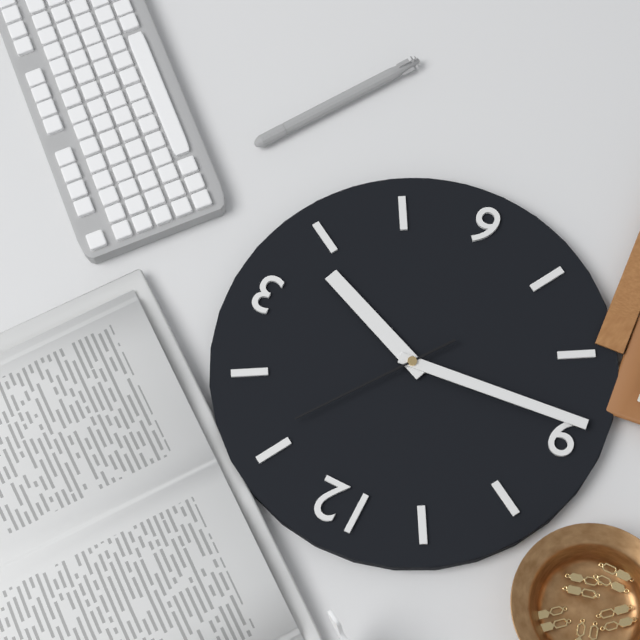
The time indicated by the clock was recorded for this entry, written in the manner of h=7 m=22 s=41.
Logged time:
h=3 m=44 s=6
